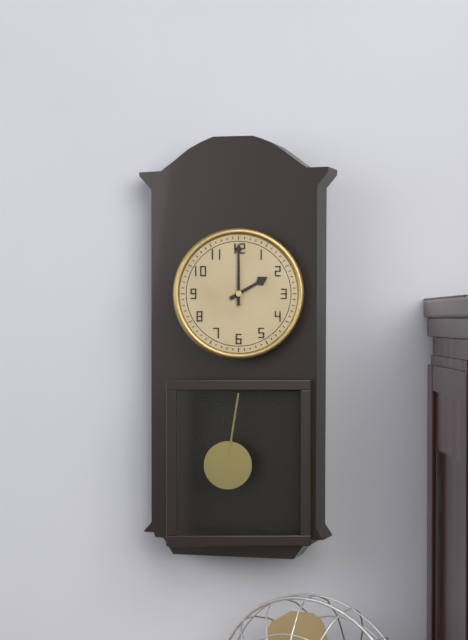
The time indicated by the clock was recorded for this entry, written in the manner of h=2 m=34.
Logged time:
h=2 m=0
